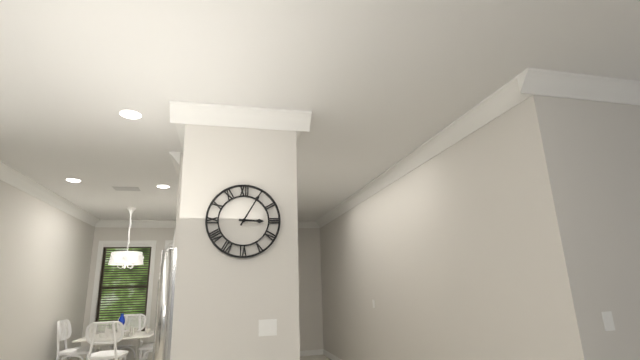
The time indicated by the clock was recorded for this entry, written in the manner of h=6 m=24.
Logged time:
h=3 m=5
